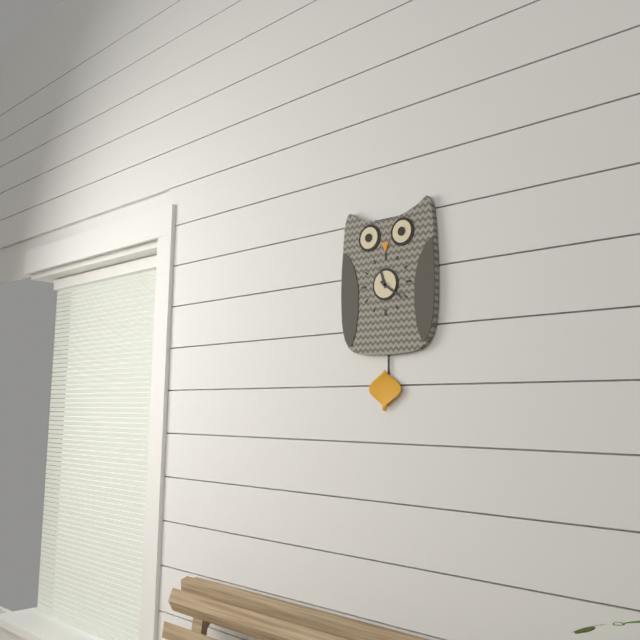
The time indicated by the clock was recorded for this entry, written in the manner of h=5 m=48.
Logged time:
h=11 m=21
